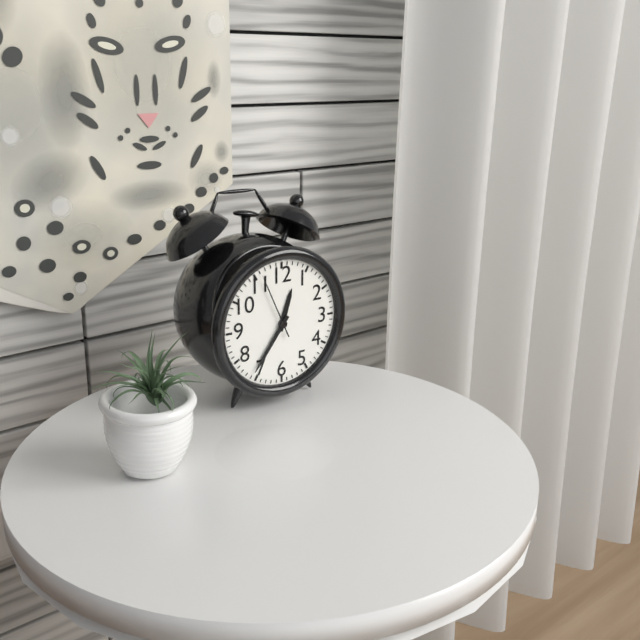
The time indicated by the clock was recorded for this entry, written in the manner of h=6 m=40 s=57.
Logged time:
h=12 m=36 s=56
